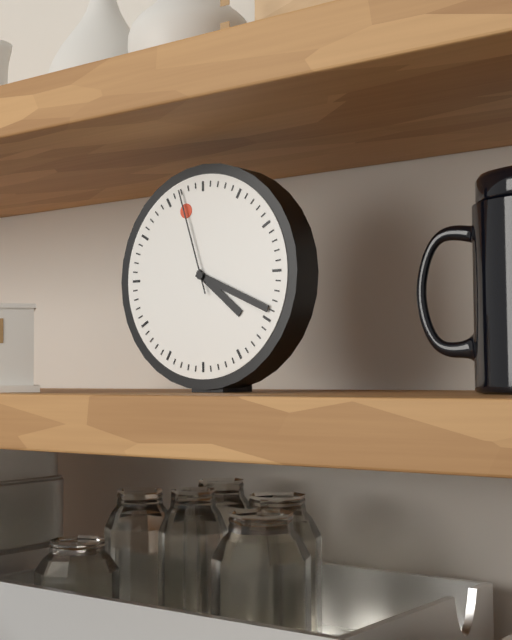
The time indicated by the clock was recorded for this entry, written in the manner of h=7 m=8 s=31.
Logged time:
h=4 m=19 s=57
